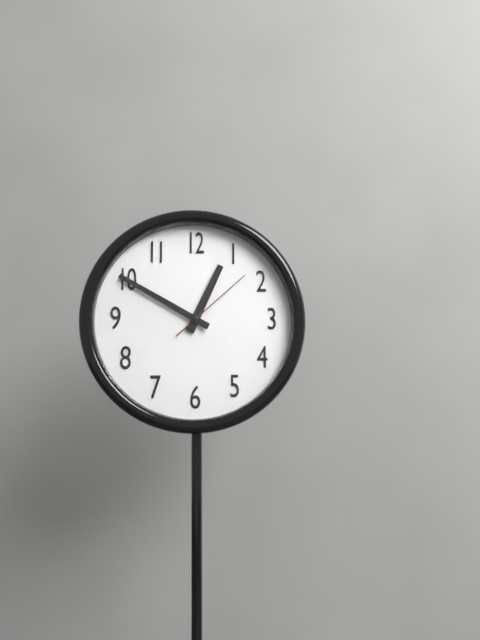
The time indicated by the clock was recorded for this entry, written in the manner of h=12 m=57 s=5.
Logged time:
h=12 m=50 s=8
